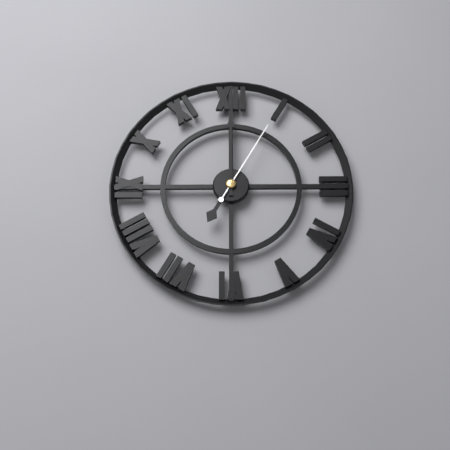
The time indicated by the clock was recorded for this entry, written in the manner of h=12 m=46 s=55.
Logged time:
h=7 m=0 s=5
